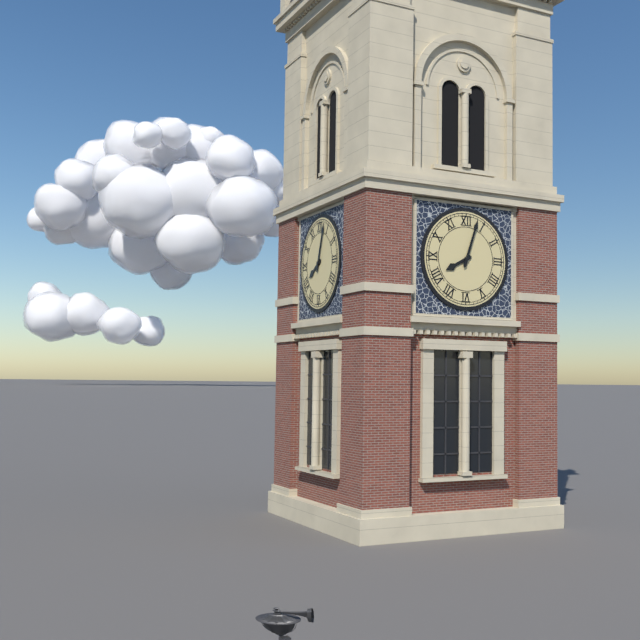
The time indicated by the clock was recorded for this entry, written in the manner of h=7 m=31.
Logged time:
h=8 m=3
